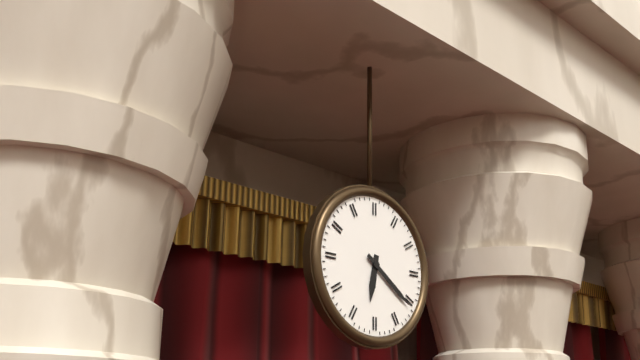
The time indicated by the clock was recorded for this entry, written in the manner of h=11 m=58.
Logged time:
h=6 m=21
